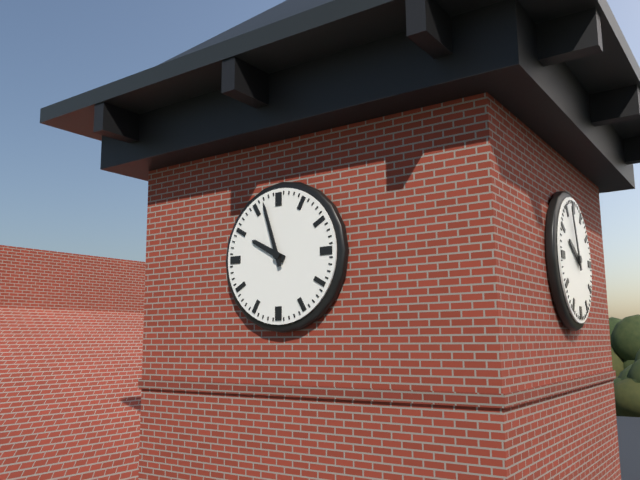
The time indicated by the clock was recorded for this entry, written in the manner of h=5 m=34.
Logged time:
h=9 m=57
